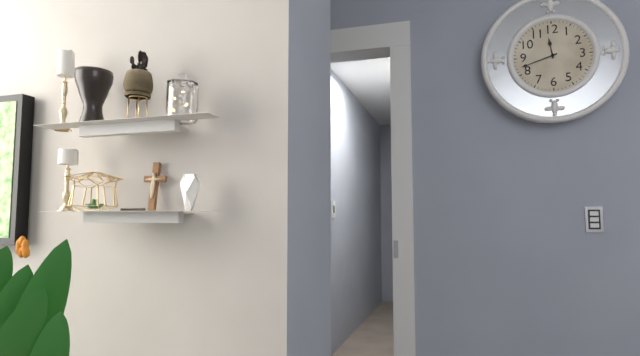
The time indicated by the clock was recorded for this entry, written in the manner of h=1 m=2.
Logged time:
h=11 m=42
